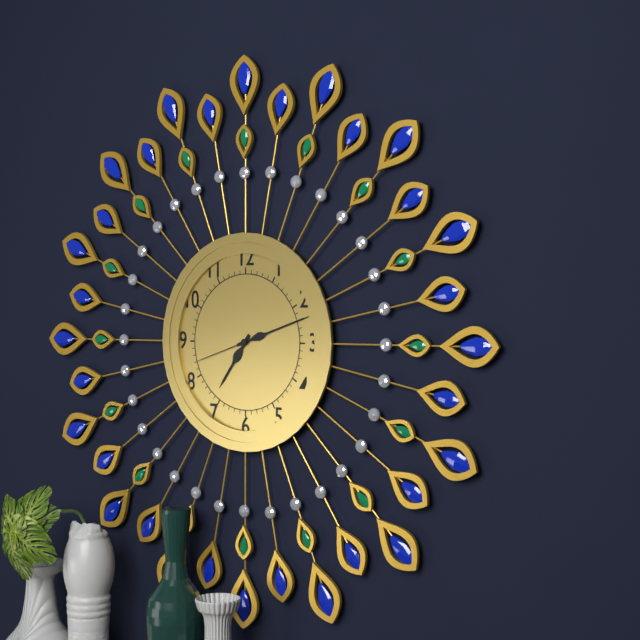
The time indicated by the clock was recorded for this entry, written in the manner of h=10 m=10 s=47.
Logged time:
h=7 m=12 s=42
